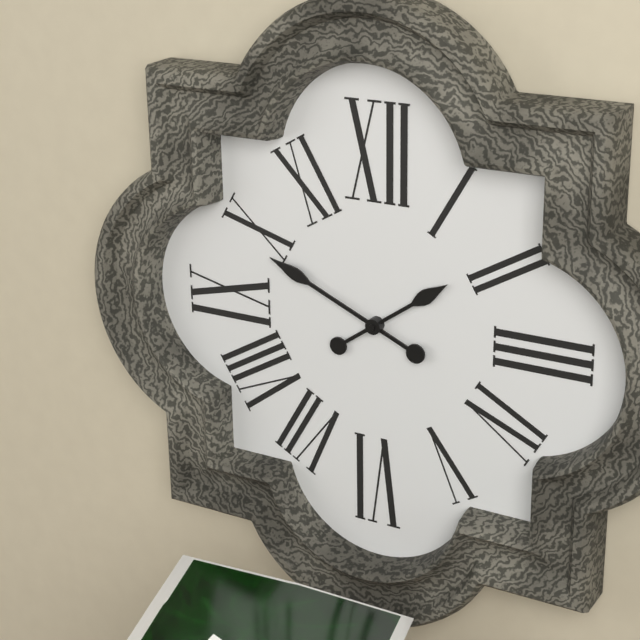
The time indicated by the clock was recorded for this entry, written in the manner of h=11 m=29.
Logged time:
h=1 m=49
